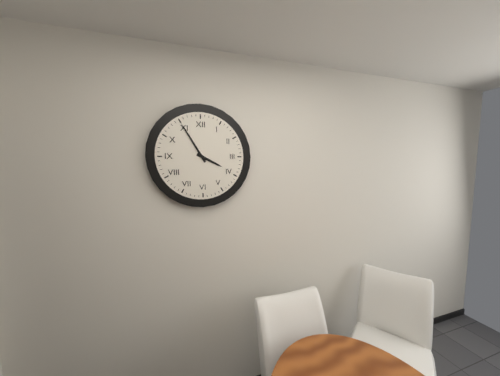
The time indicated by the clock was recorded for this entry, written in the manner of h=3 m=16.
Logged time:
h=3 m=55
